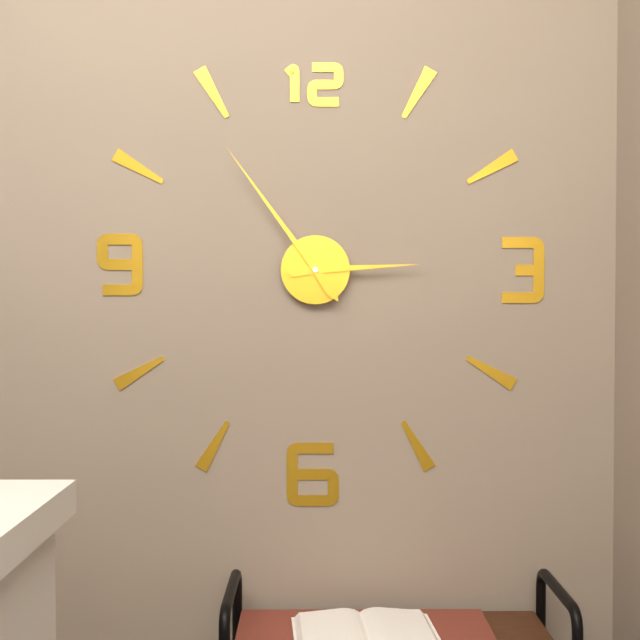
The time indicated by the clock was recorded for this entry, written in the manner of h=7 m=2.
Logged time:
h=2 m=54
